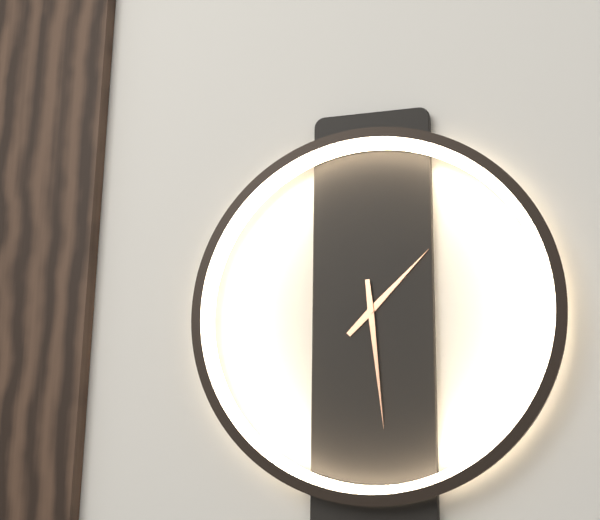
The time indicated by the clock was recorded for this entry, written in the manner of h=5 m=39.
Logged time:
h=1 m=29
